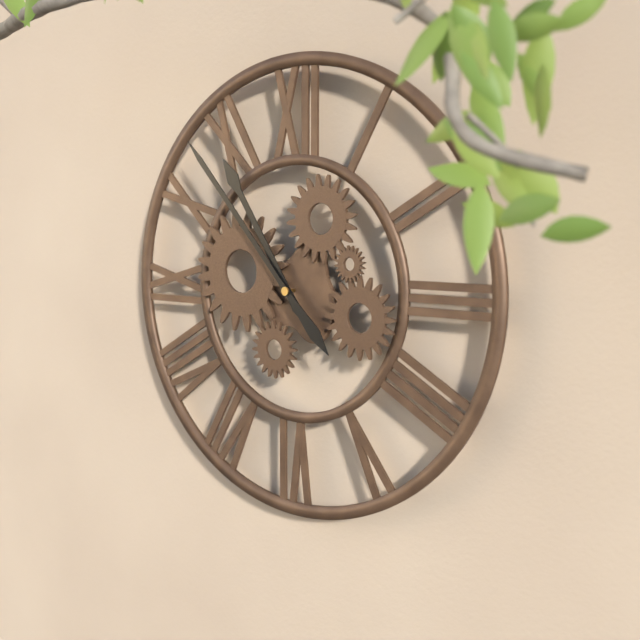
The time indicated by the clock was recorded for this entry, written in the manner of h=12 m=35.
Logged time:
h=10 m=53
